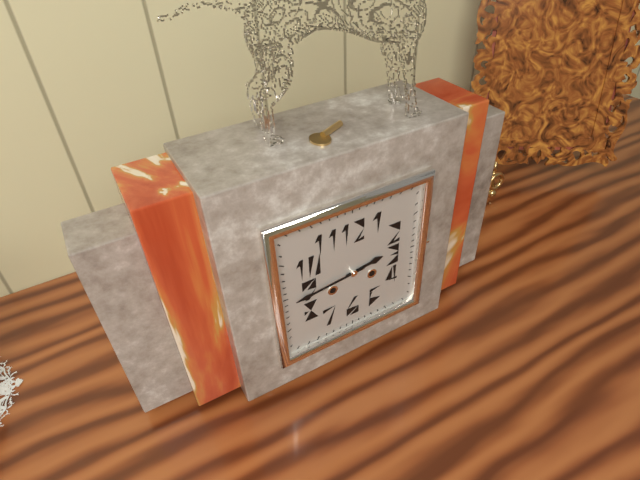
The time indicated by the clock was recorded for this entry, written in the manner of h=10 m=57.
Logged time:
h=2 m=44
